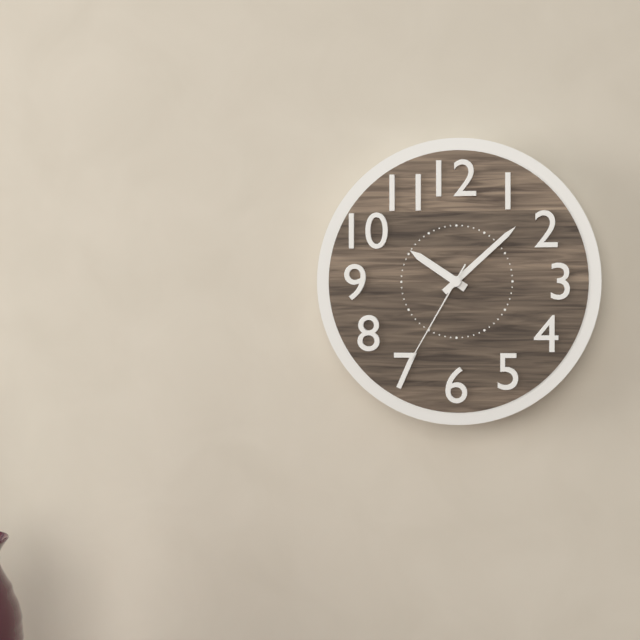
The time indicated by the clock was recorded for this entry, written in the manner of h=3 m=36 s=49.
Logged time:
h=10 m=8 s=35
